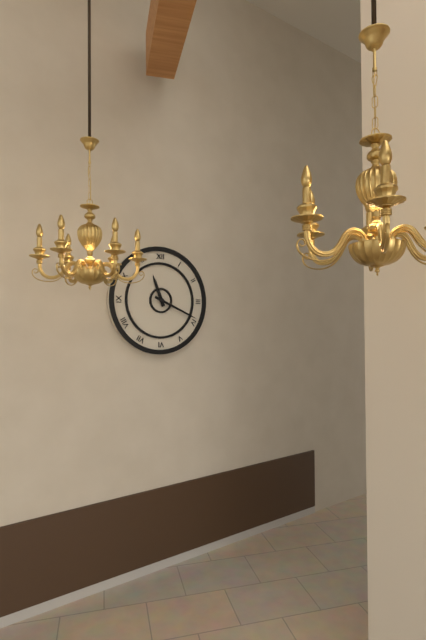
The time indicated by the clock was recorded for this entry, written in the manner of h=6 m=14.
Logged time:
h=11 m=19
